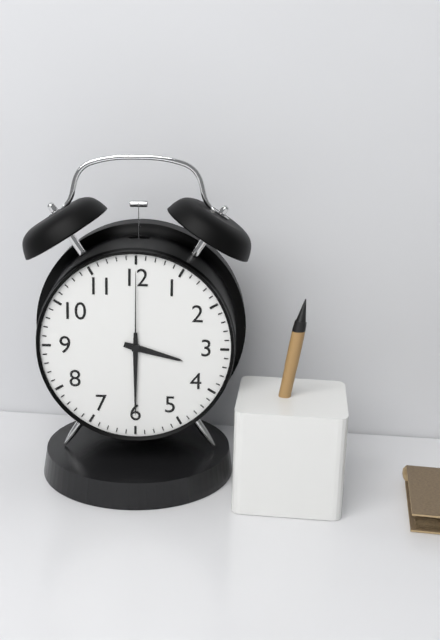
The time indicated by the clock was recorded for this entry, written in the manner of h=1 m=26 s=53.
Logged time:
h=3 m=30 s=0
